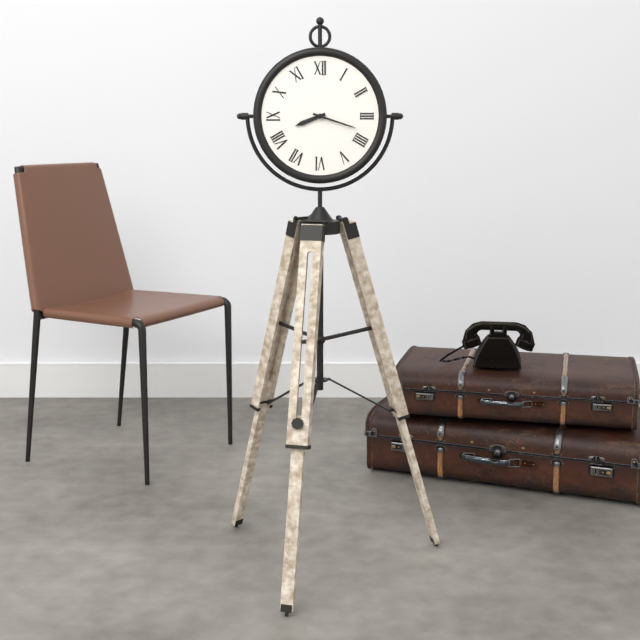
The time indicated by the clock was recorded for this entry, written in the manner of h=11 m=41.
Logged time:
h=8 m=18
